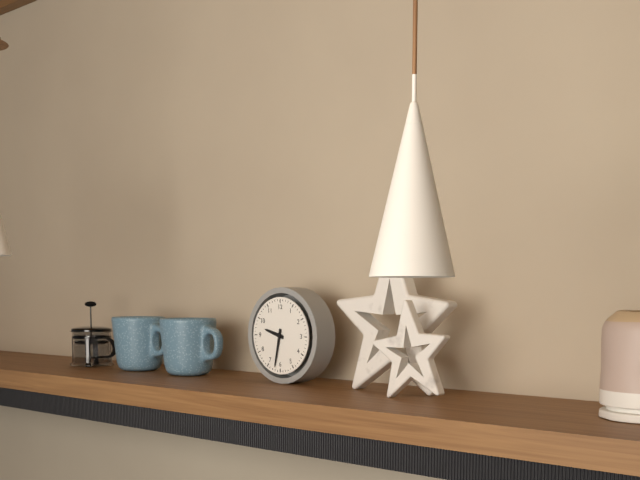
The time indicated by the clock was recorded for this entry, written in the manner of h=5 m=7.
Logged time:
h=9 m=32
